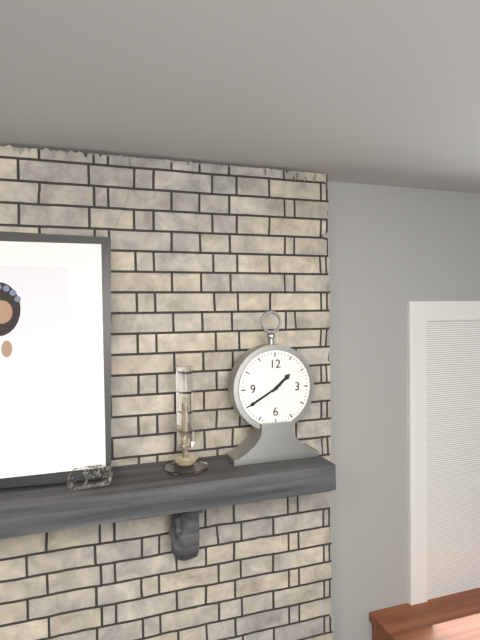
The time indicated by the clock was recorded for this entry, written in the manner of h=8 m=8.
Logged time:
h=1 m=40
